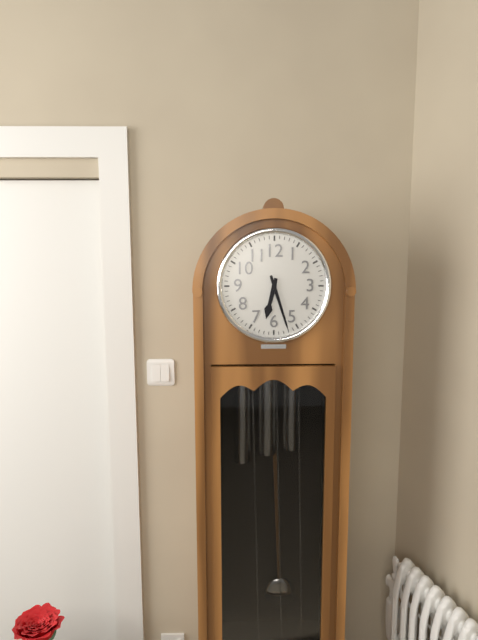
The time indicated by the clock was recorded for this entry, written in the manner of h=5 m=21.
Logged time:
h=6 m=27
